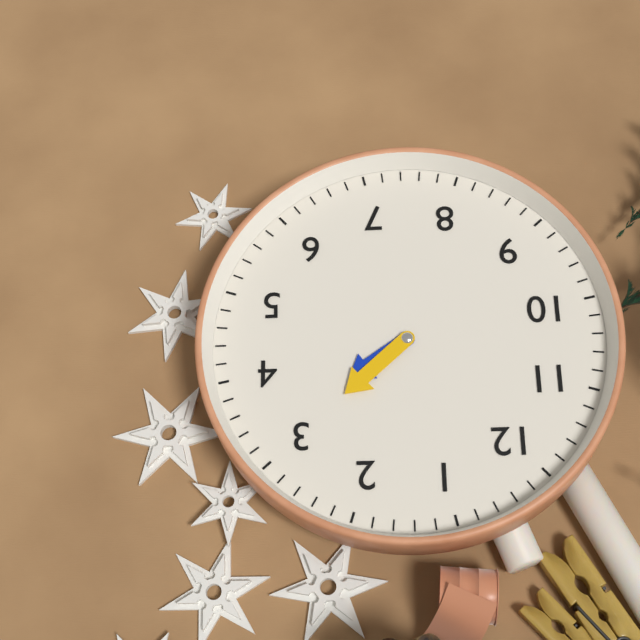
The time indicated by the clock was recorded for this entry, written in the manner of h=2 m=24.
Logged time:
h=3 m=15
